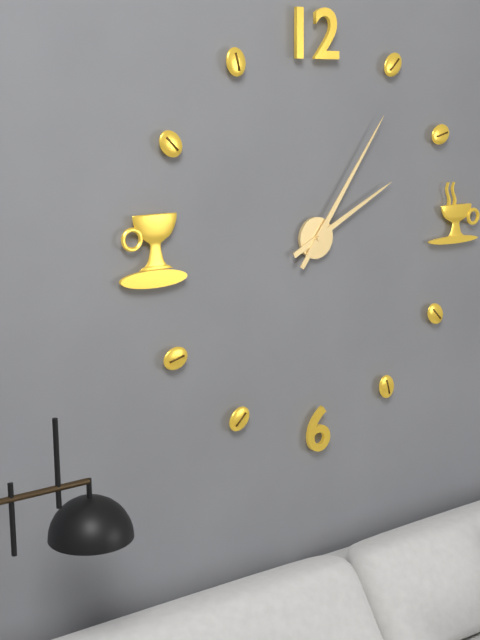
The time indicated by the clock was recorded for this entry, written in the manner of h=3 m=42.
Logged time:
h=2 m=6
